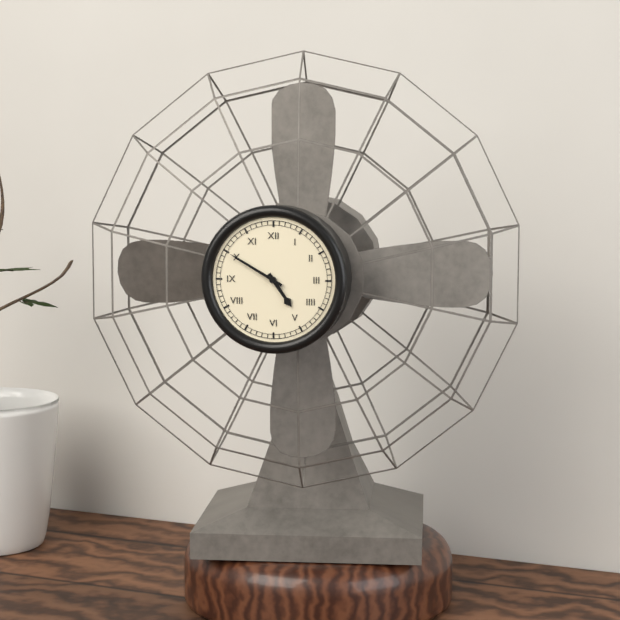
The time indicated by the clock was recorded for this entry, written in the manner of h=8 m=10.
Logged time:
h=4 m=50
